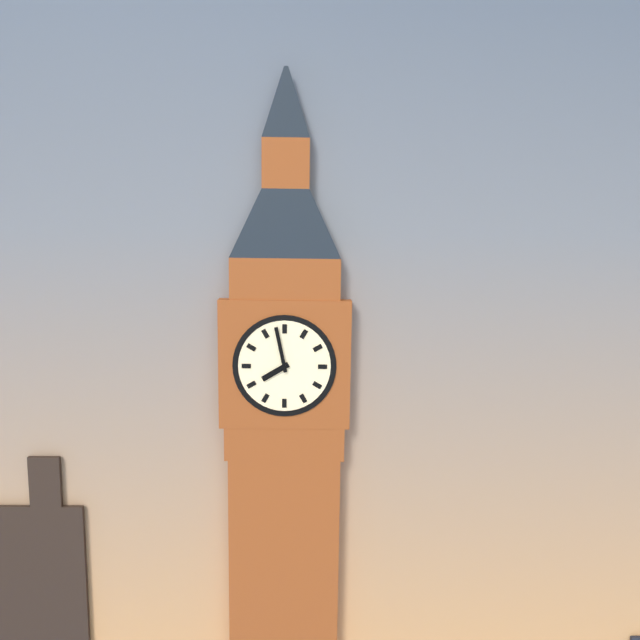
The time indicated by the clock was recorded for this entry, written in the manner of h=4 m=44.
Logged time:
h=7 m=58
